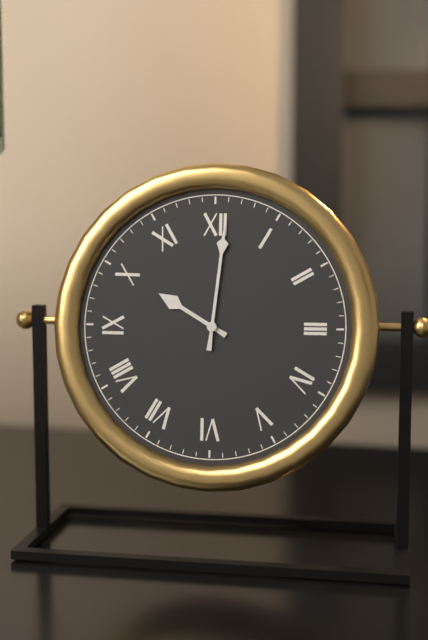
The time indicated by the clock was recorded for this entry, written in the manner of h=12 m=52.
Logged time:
h=10 m=1
